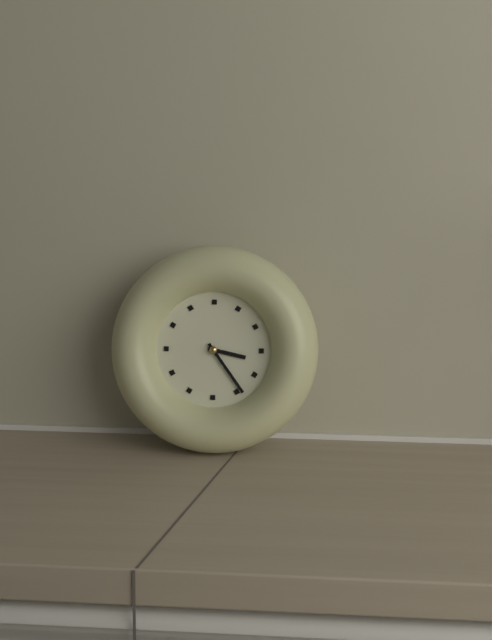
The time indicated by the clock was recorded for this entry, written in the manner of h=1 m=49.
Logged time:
h=3 m=24
